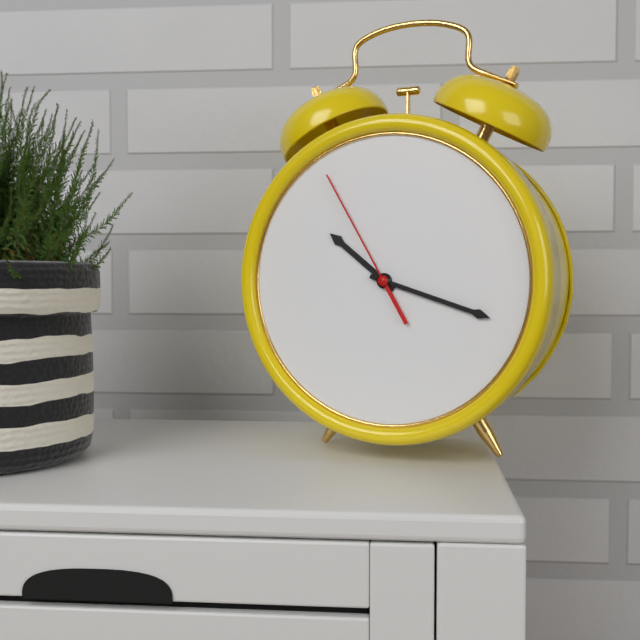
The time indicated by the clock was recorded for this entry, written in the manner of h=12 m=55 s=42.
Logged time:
h=10 m=18 s=55
